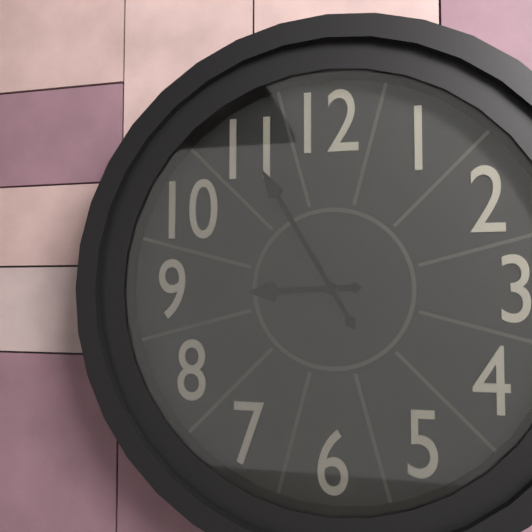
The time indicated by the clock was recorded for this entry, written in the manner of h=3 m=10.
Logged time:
h=8 m=55
